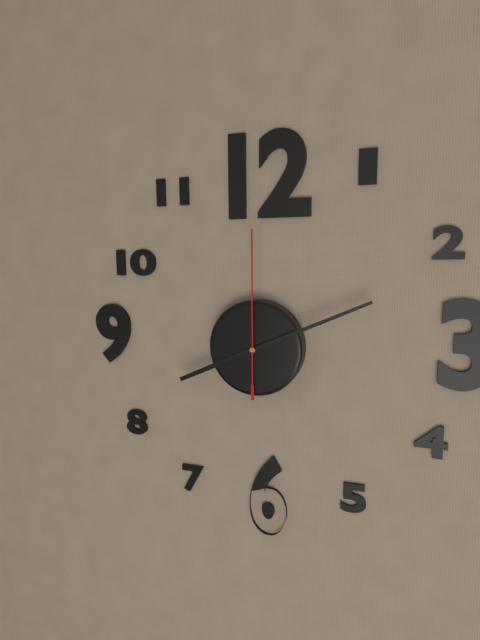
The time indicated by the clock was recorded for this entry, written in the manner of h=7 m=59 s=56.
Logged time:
h=8 m=11 s=0
